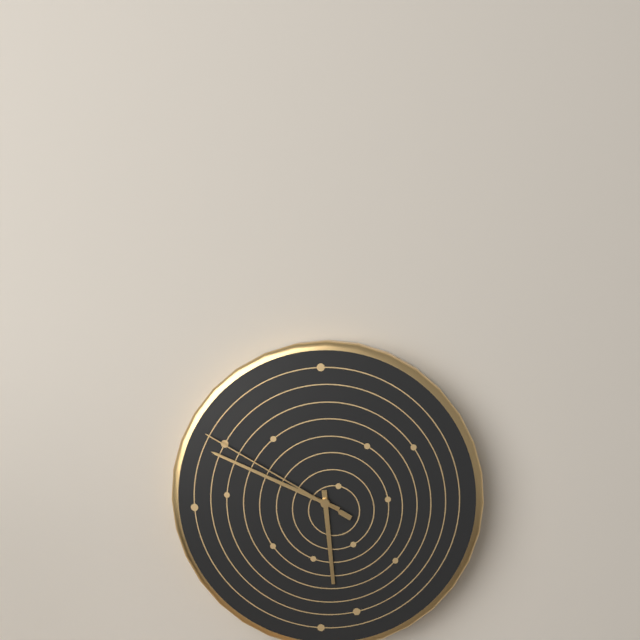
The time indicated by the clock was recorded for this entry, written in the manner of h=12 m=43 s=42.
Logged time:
h=5 m=49 s=50
